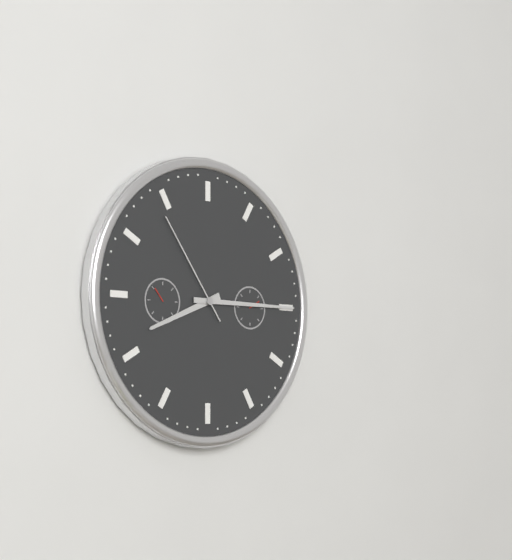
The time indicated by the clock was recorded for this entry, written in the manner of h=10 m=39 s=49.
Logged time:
h=8 m=15 s=54
